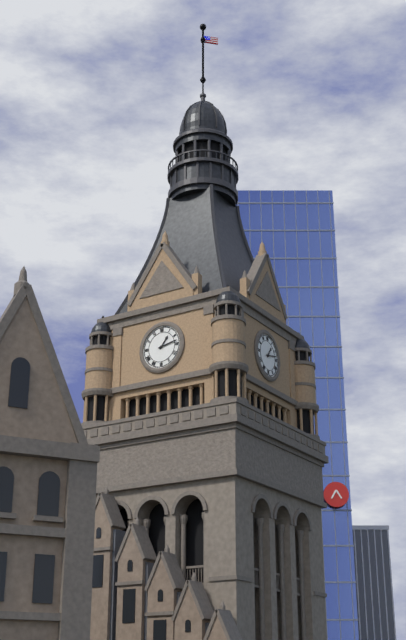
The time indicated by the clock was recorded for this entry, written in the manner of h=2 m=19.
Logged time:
h=1 m=13
